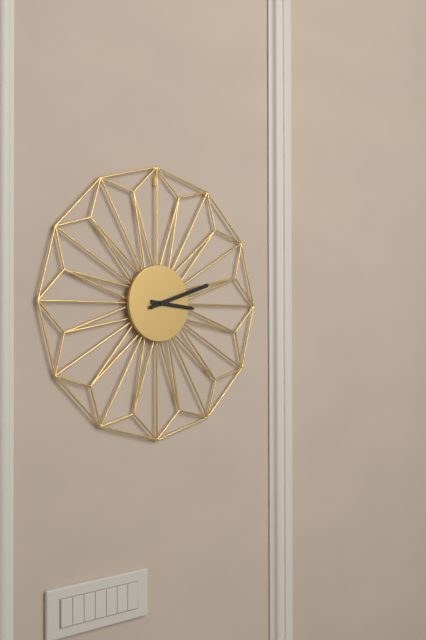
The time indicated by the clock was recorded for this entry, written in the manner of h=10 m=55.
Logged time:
h=3 m=12
